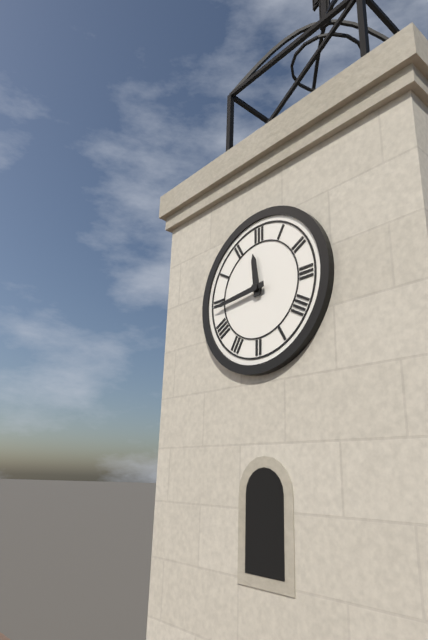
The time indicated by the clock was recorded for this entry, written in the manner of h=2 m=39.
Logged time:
h=11 m=44
